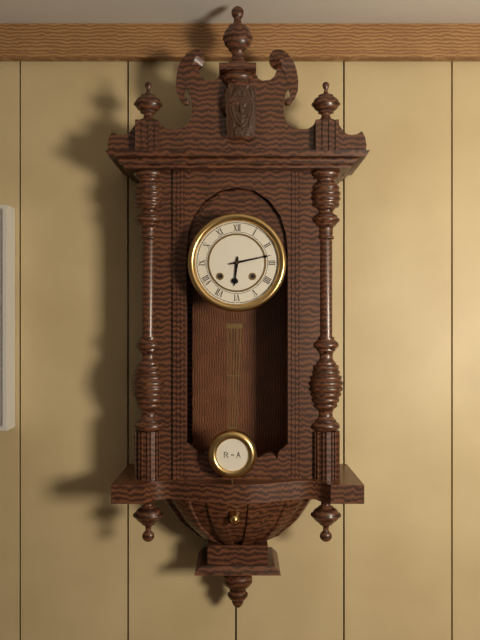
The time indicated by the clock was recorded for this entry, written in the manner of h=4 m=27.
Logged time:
h=6 m=13
